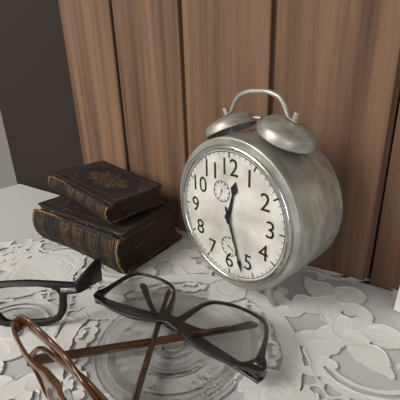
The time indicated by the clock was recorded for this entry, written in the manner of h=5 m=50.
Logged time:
h=12 m=27
